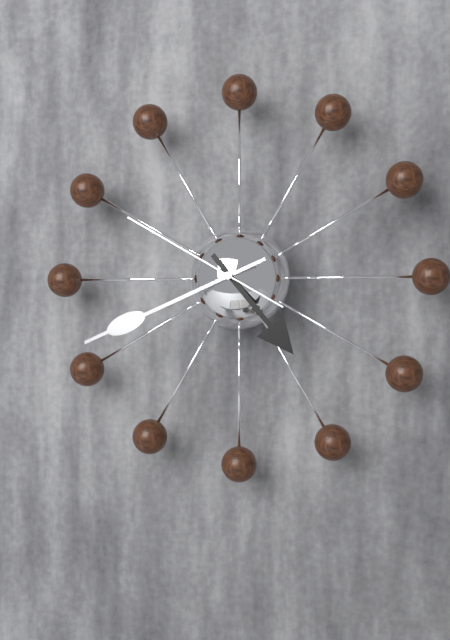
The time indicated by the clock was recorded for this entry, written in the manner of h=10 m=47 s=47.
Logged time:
h=4 m=41 s=50
